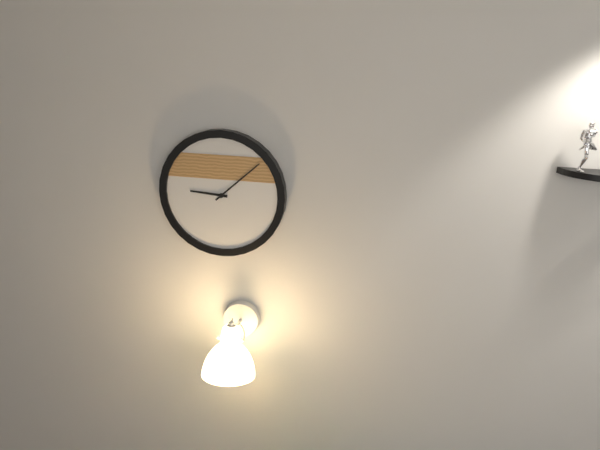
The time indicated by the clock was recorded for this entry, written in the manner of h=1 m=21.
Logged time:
h=9 m=8
